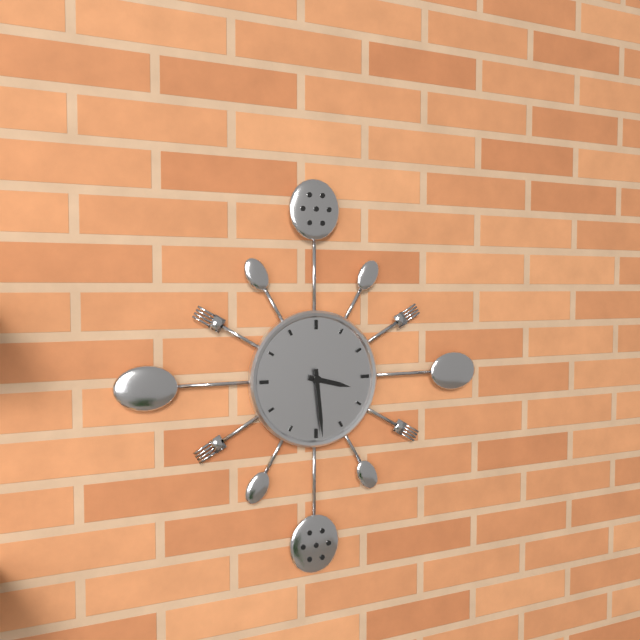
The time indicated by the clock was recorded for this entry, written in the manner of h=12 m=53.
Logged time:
h=3 m=29
